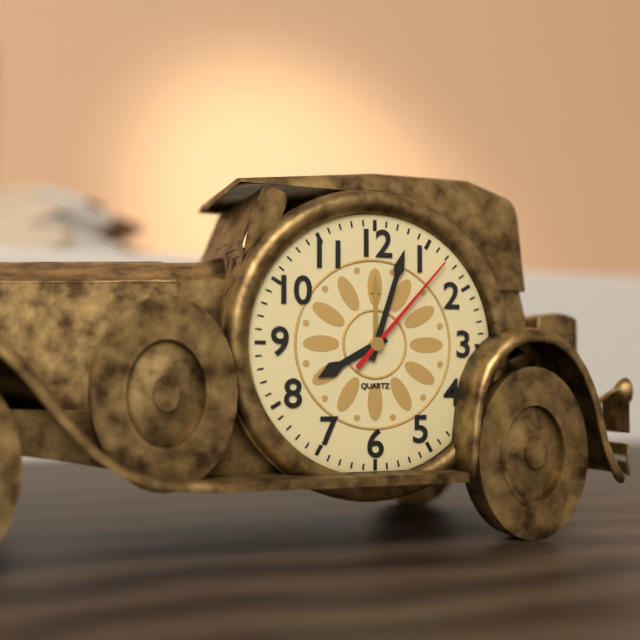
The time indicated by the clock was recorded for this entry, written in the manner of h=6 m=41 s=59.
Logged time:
h=8 m=3 s=7
